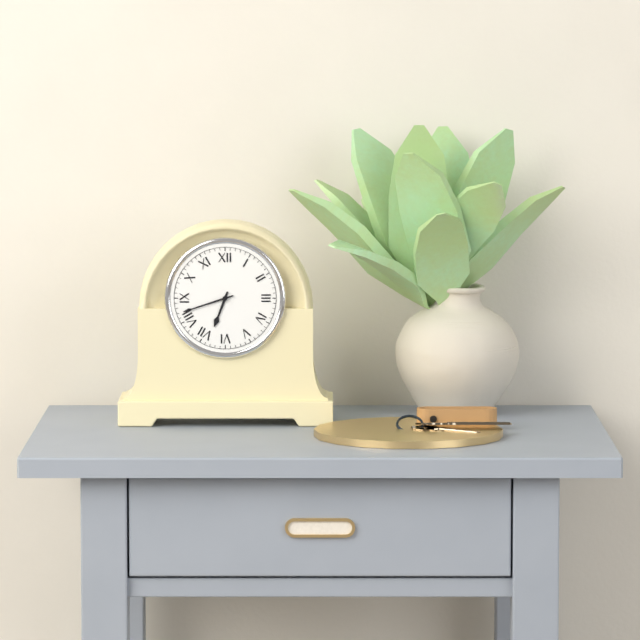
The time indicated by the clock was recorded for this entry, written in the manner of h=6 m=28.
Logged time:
h=6 m=42
